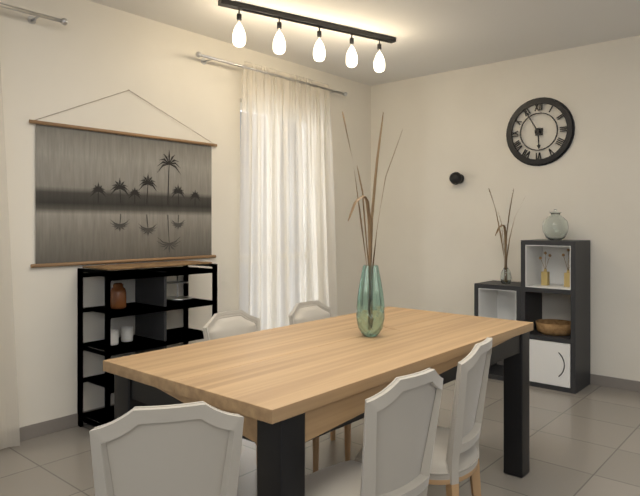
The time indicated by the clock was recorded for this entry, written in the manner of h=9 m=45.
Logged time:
h=5 m=55
